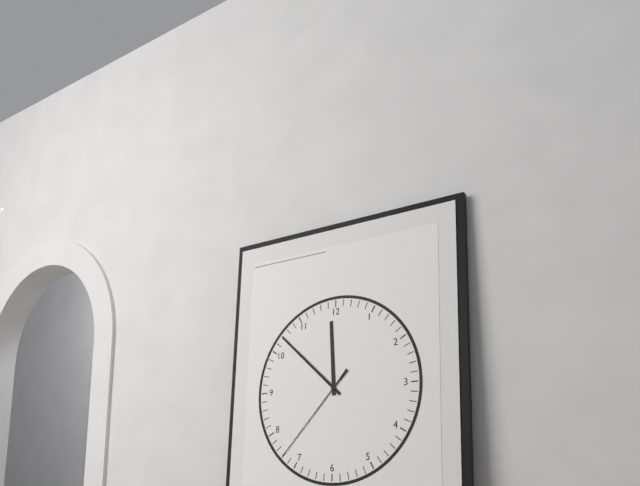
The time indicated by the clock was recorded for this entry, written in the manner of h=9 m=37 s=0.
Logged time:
h=11 m=52 s=37
